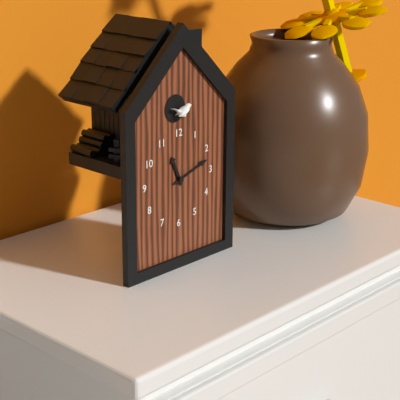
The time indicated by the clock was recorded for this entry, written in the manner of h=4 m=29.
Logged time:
h=11 m=12
